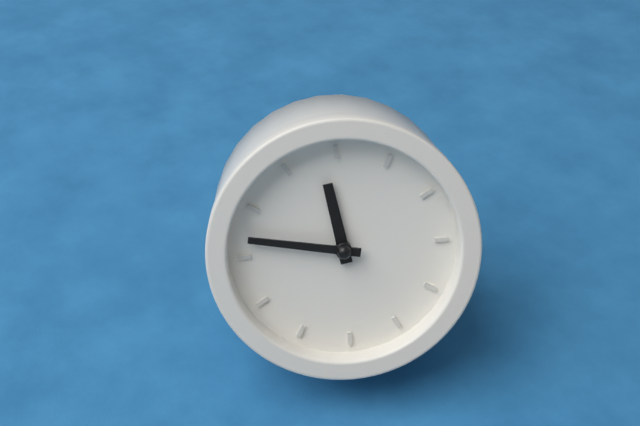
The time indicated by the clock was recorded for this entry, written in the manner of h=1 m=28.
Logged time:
h=10 m=42
